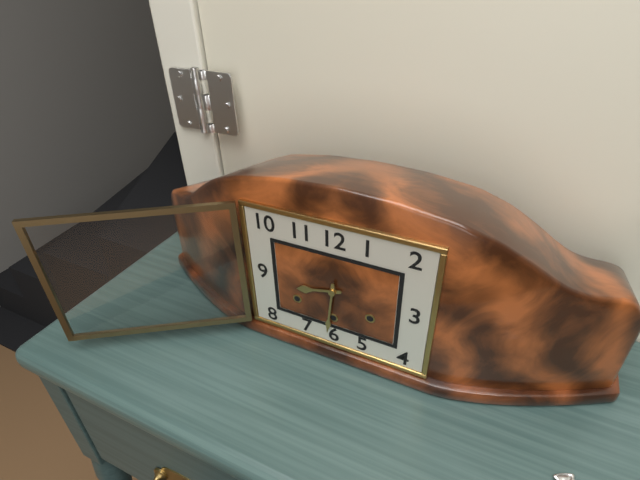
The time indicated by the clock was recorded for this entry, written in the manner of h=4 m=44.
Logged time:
h=8 m=31
